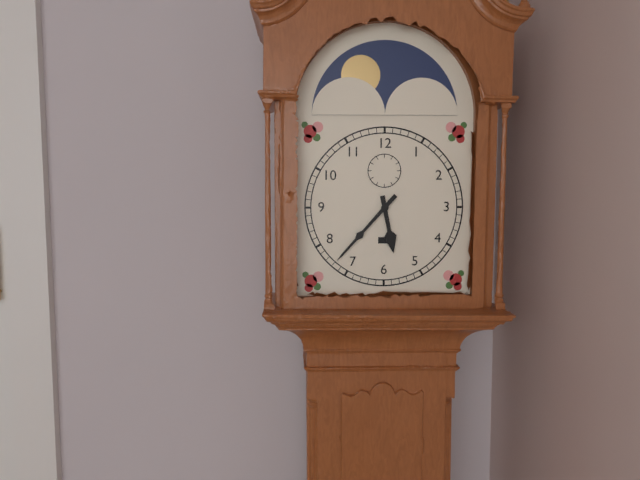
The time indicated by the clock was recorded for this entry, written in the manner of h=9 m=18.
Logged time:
h=5 m=37
